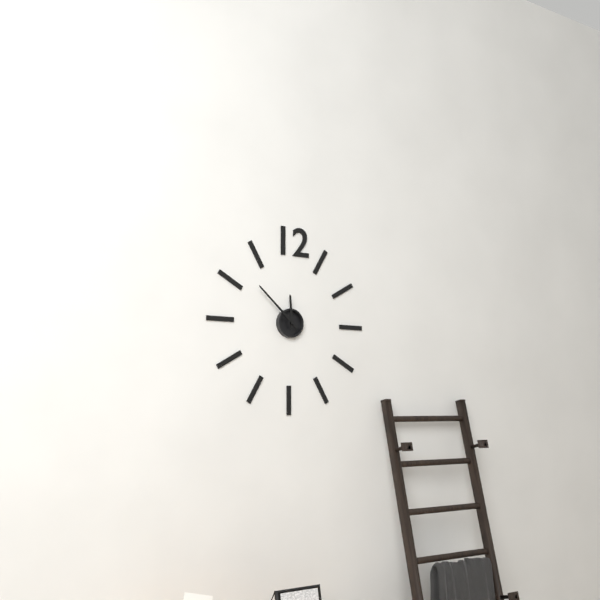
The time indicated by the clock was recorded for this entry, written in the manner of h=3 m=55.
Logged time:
h=11 m=52
